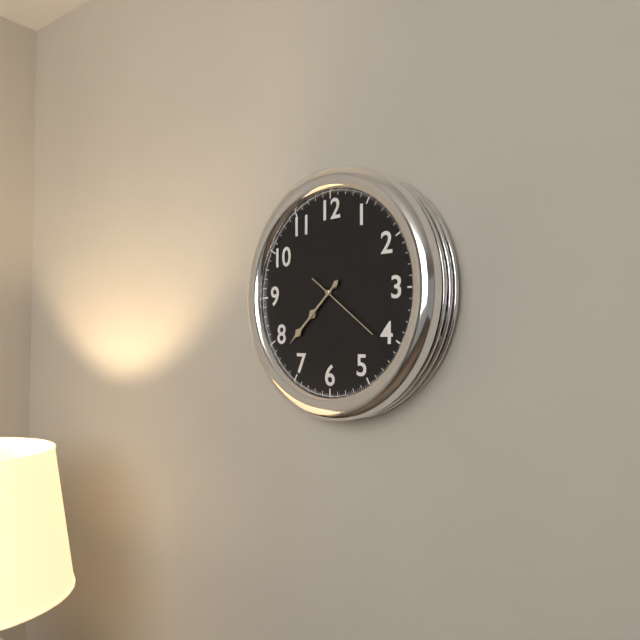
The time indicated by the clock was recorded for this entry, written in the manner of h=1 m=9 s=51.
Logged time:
h=7 m=38 s=21
